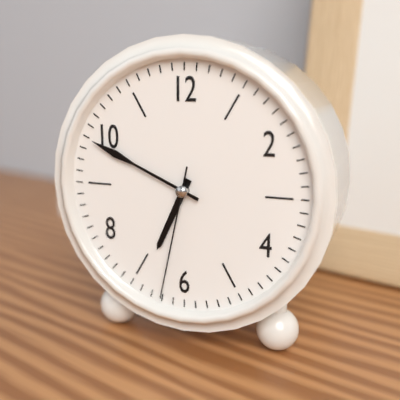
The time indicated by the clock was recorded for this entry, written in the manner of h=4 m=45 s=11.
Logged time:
h=6 m=49 s=32
